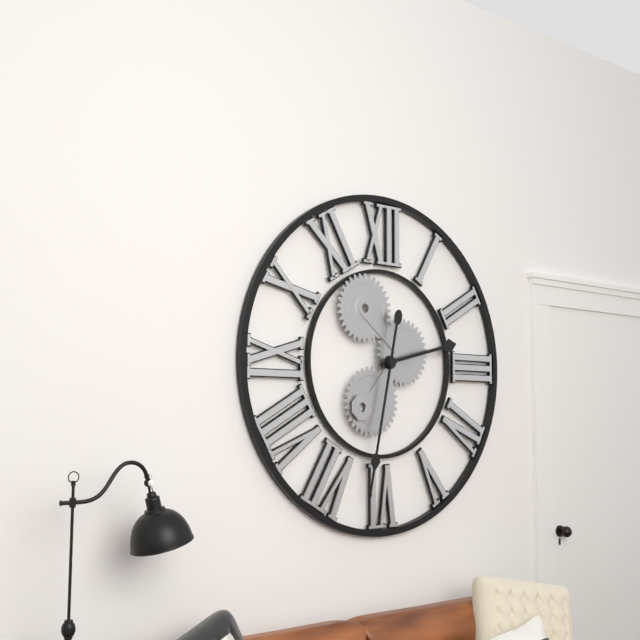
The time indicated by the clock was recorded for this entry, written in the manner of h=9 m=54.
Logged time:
h=2 m=32
